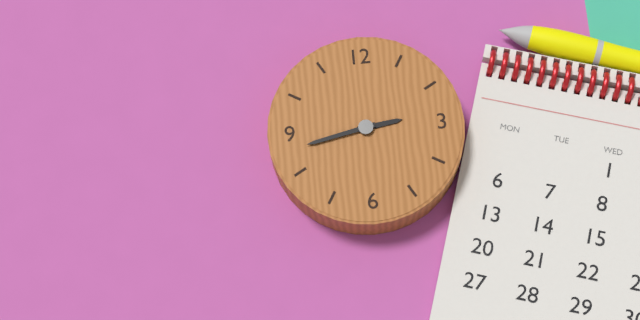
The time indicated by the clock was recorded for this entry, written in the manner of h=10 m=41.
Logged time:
h=2 m=43
